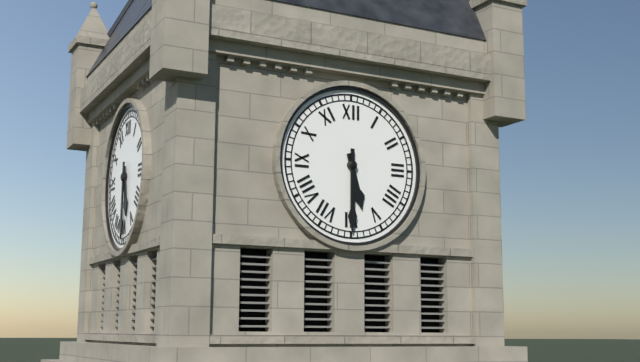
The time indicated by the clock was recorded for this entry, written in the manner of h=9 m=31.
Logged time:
h=5 m=30
